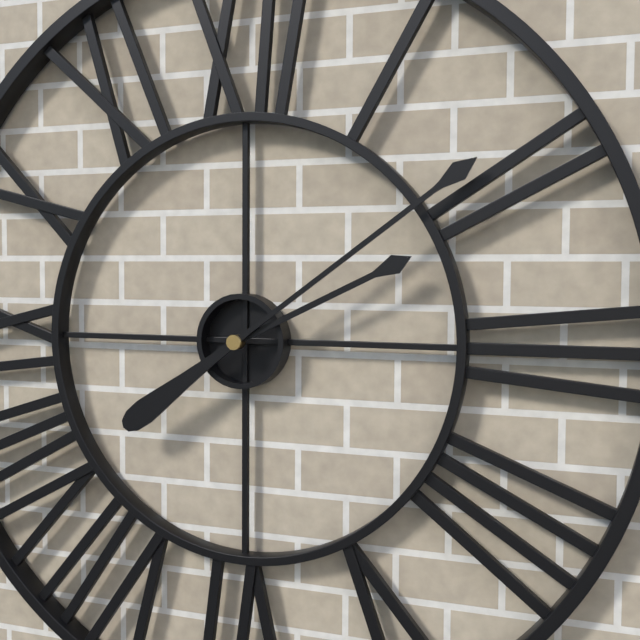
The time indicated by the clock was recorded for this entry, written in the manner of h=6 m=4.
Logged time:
h=2 m=9
